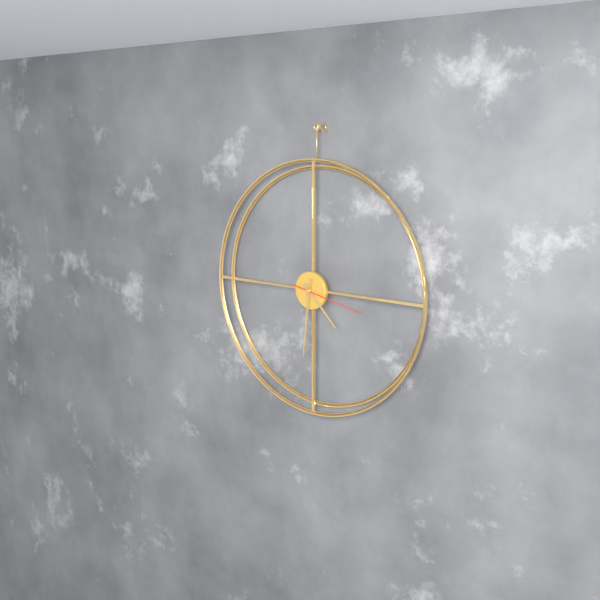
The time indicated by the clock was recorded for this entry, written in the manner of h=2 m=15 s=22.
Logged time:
h=4 m=31 s=17
